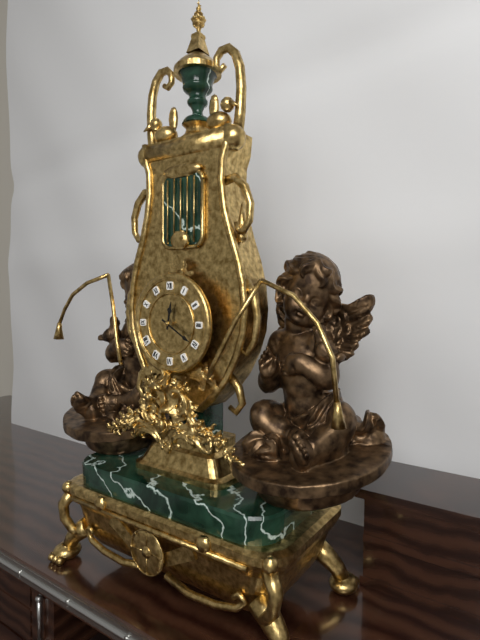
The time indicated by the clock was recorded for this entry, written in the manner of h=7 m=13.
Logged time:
h=12 m=20
